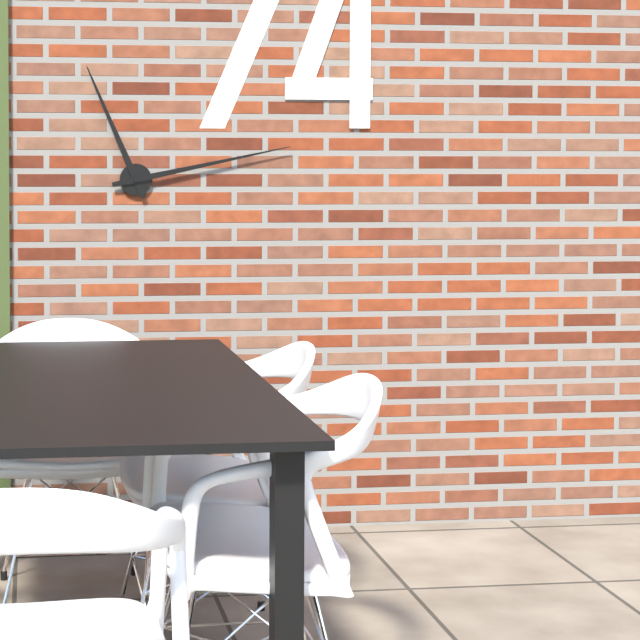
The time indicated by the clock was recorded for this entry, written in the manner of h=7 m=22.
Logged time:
h=11 m=13
